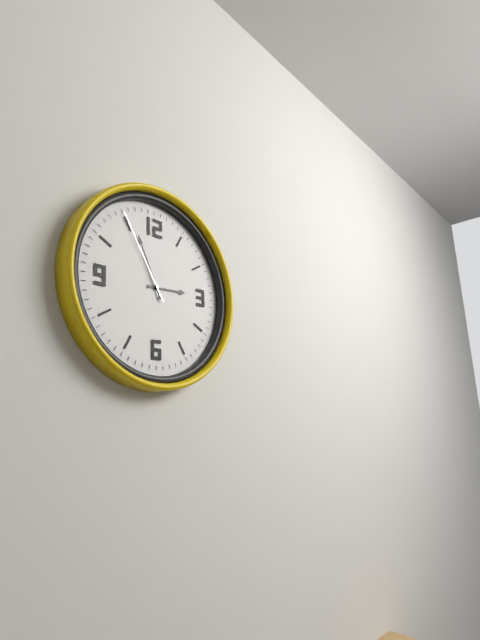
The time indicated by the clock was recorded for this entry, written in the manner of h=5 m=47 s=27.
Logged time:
h=2 m=56 s=55
